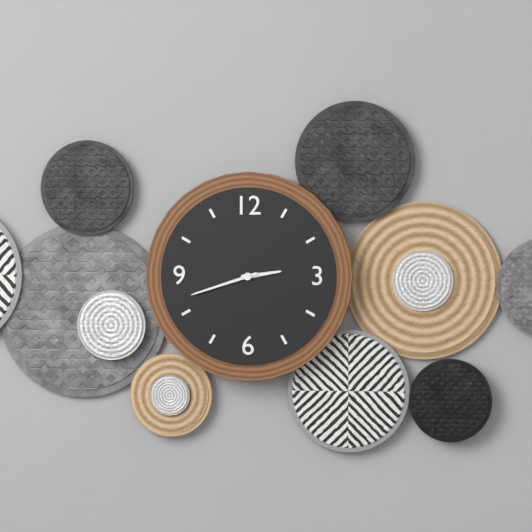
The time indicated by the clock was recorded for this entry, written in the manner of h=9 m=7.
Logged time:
h=2 m=42
